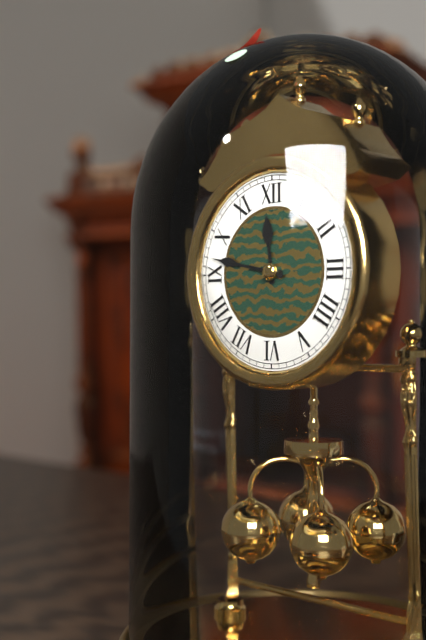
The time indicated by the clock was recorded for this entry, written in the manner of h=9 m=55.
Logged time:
h=11 m=47
